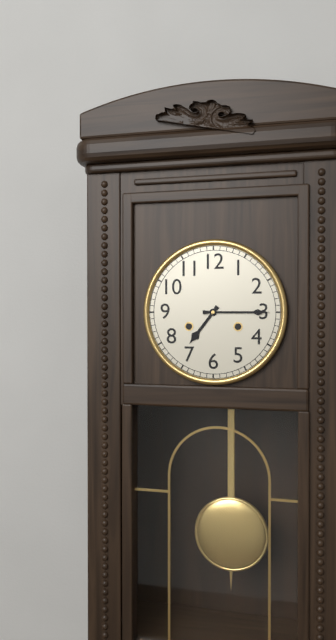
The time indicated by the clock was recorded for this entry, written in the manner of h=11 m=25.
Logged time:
h=7 m=15
